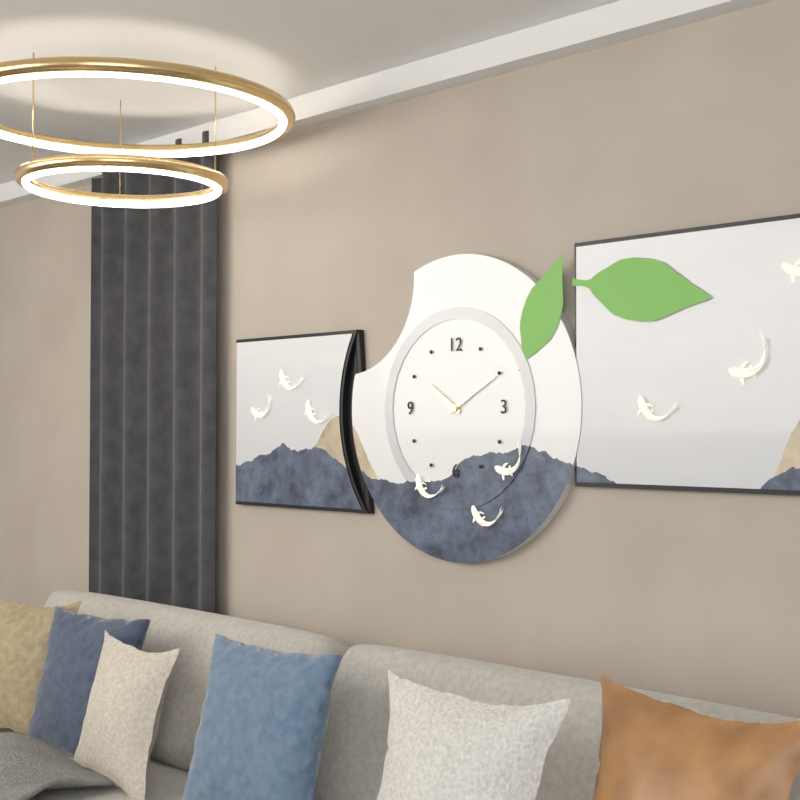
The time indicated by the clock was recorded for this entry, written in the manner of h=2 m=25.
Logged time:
h=10 m=10
